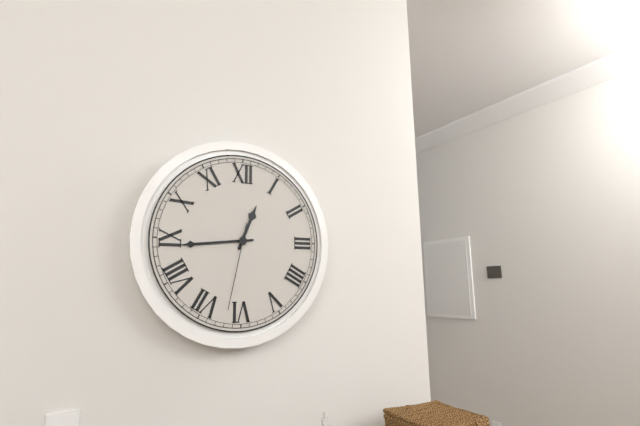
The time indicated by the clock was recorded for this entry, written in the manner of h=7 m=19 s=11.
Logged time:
h=12 m=44 s=32
